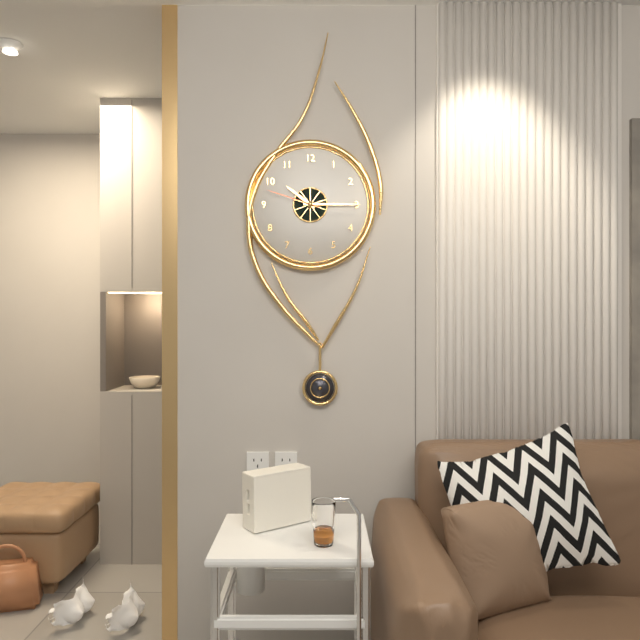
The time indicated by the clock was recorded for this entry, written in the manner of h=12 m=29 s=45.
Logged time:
h=10 m=15 s=48
